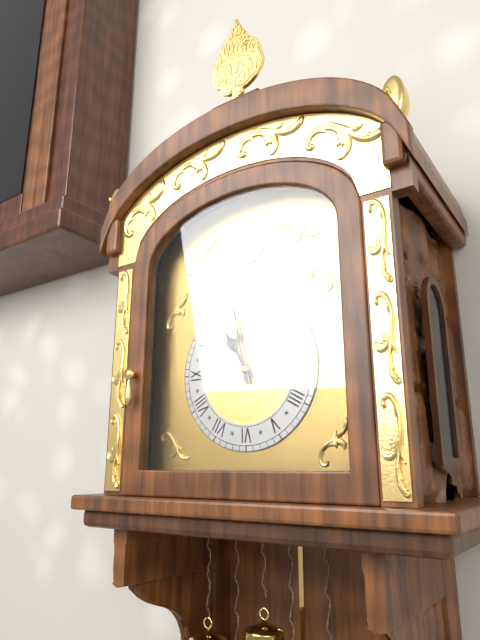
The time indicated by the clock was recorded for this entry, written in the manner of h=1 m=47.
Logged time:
h=10 m=58
